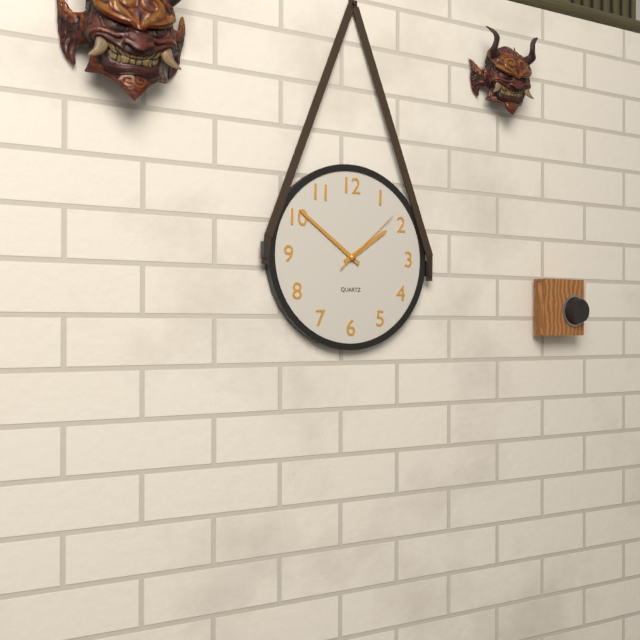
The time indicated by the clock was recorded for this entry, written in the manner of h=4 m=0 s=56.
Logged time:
h=1 m=51 s=8
